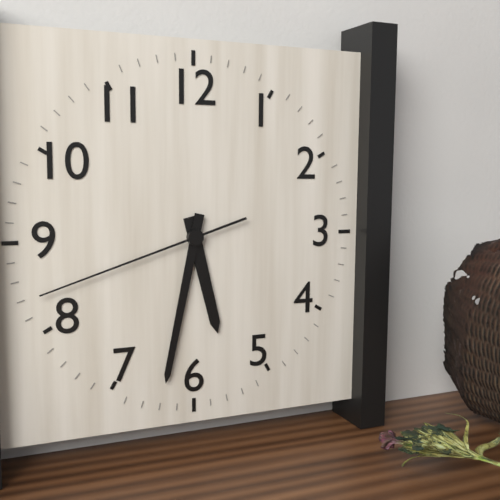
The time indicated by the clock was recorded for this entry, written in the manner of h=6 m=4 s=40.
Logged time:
h=5 m=32 s=42
